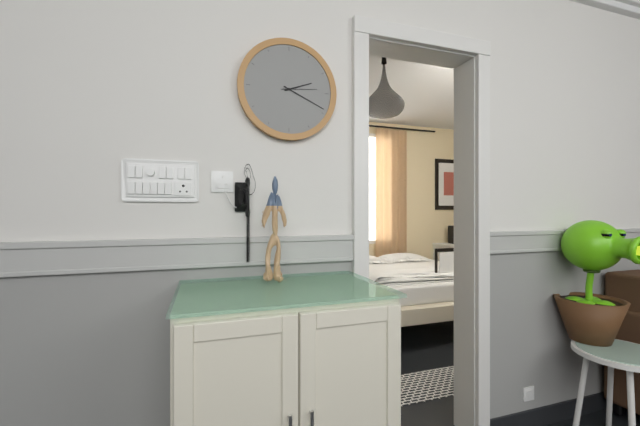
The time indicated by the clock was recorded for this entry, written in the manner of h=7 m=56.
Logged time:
h=2 m=19
